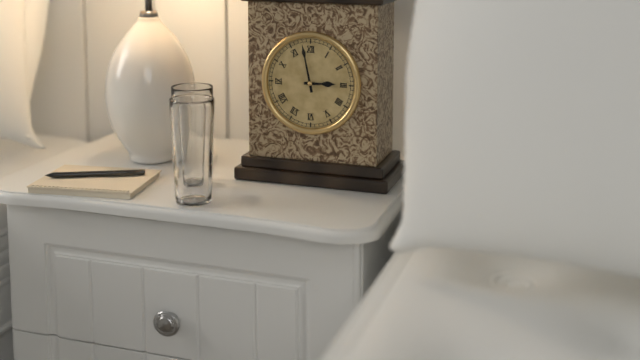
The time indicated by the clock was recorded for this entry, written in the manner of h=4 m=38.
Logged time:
h=2 m=58
